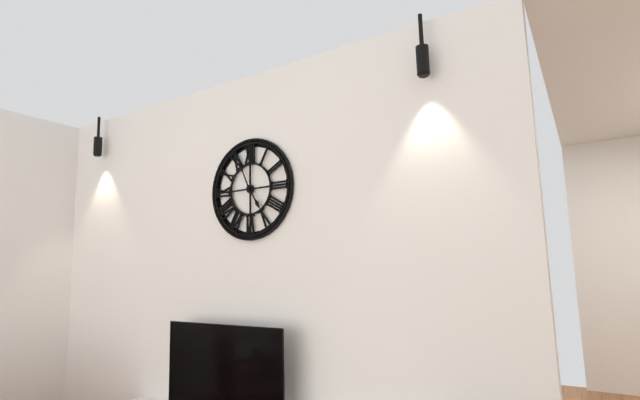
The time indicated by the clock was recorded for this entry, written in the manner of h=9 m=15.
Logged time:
h=4 m=56
